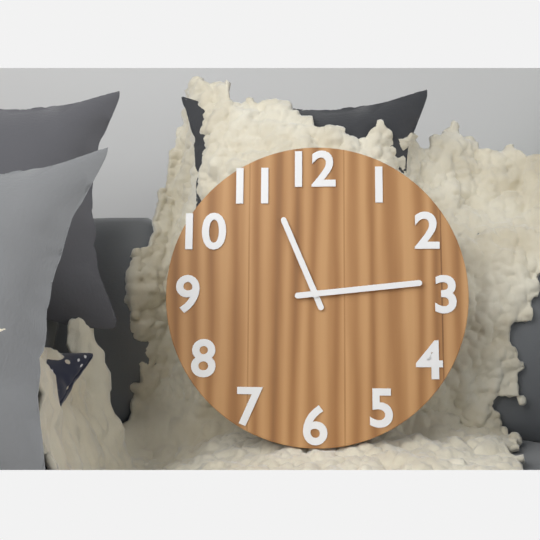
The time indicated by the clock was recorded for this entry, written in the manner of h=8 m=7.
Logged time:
h=11 m=14
